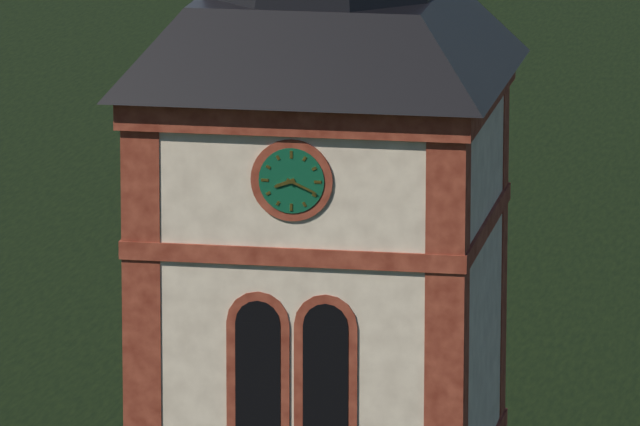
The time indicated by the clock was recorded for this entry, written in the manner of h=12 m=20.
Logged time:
h=8 m=19
